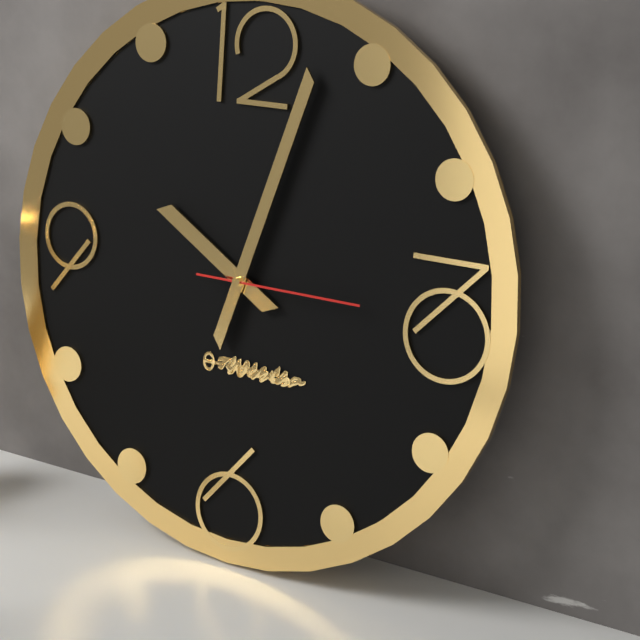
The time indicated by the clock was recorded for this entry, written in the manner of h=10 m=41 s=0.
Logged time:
h=10 m=3 s=15
